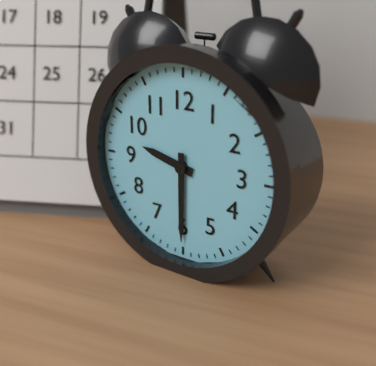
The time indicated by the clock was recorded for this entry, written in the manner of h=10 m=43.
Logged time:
h=9 m=30
